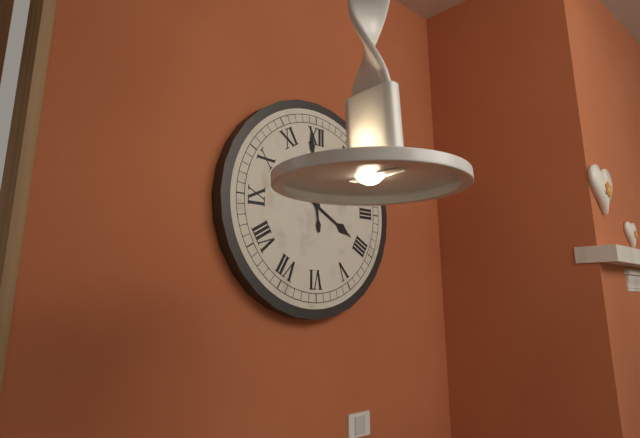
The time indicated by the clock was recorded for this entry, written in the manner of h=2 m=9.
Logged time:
h=3 m=59
